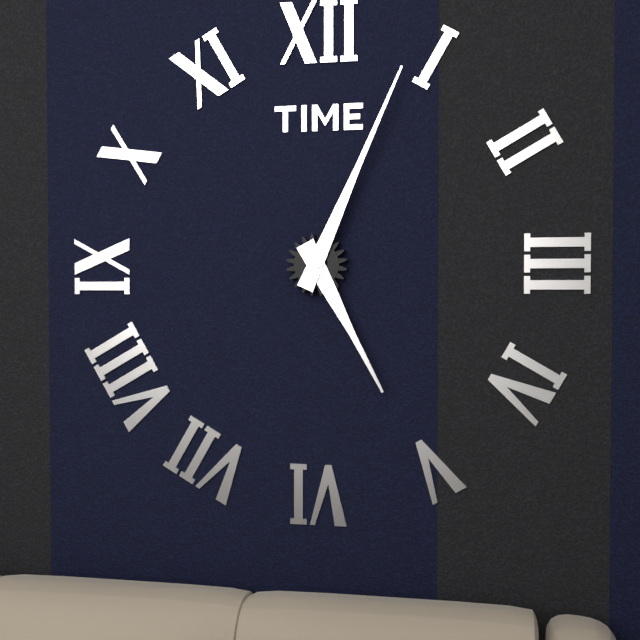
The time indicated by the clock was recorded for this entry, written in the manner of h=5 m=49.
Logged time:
h=5 m=4
